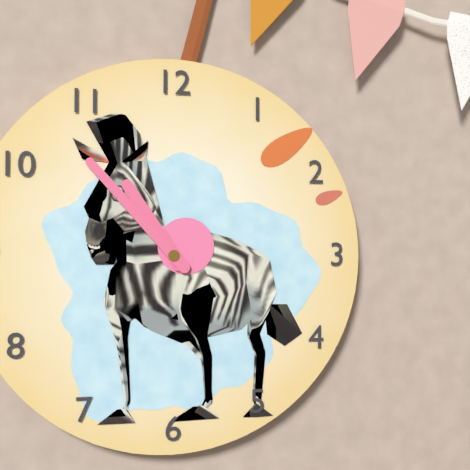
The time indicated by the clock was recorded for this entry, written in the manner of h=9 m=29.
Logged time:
h=10 m=53
